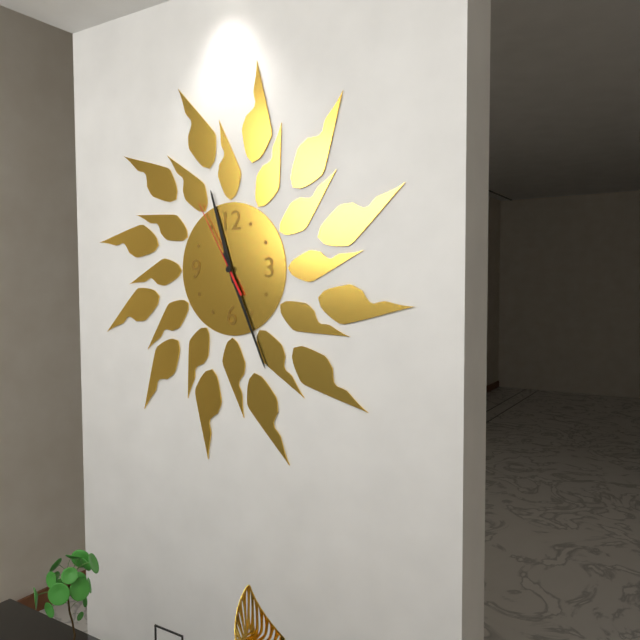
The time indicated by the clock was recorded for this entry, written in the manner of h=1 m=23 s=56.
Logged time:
h=11 m=26 s=55
